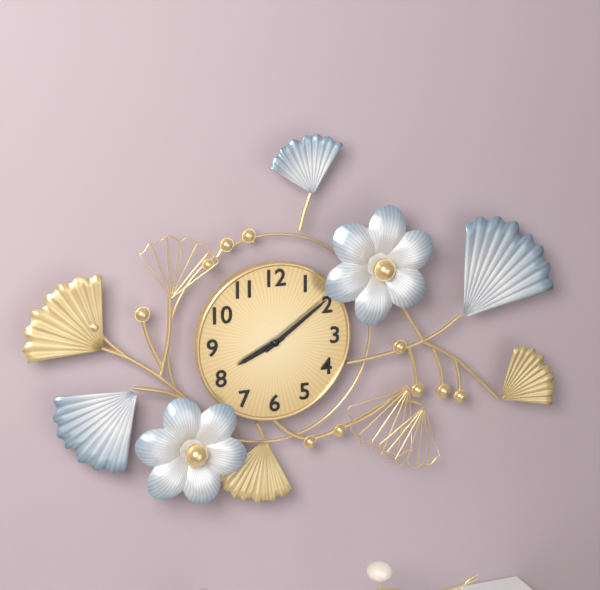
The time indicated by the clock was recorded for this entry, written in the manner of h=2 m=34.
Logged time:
h=8 m=9
